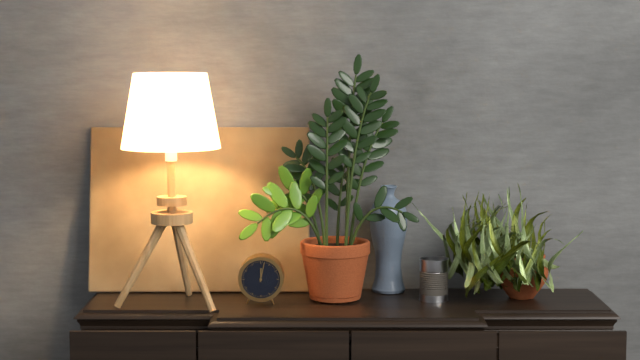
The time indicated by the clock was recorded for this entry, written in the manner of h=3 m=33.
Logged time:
h=12 m=2
